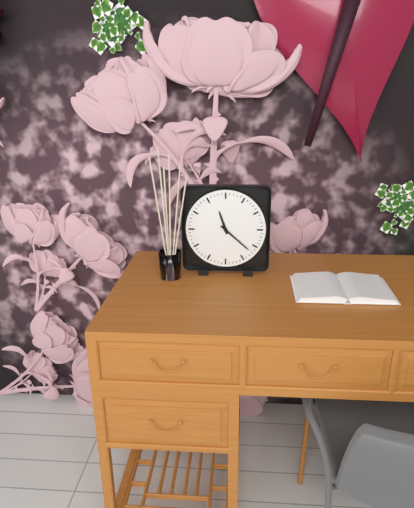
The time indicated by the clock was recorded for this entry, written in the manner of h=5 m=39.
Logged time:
h=11 m=22
